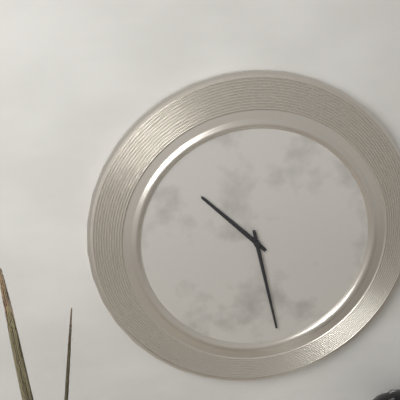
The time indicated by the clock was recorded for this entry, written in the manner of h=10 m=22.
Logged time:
h=10 m=28
